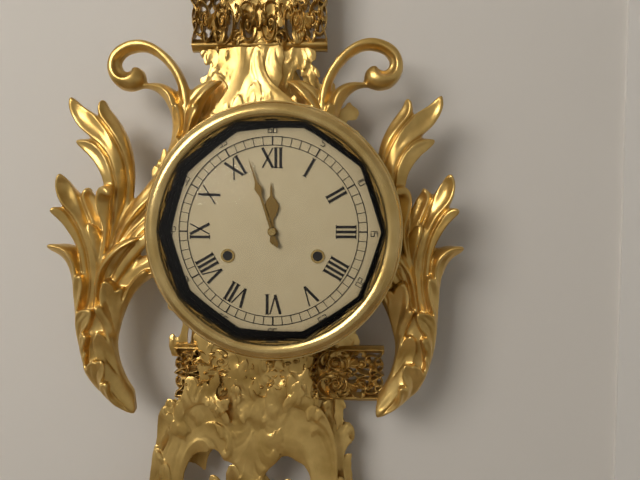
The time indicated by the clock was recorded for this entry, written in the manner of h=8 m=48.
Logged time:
h=11 m=57
